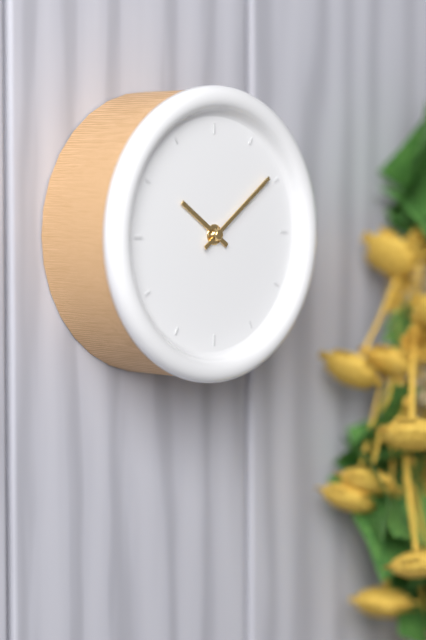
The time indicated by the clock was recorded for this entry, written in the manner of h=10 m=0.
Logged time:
h=10 m=9
